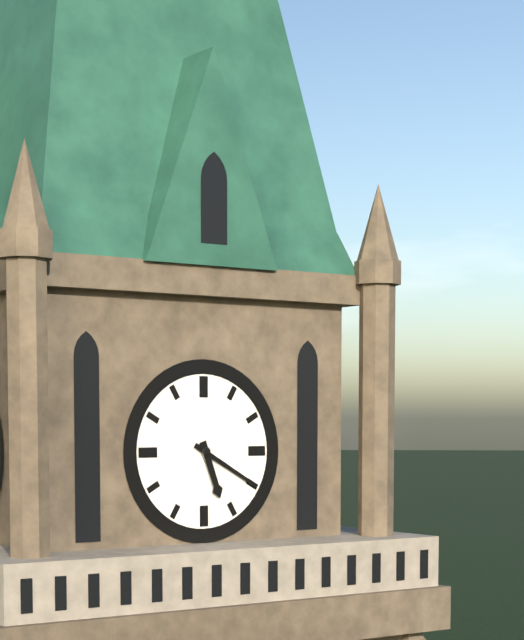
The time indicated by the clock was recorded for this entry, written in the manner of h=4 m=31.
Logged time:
h=5 m=20
